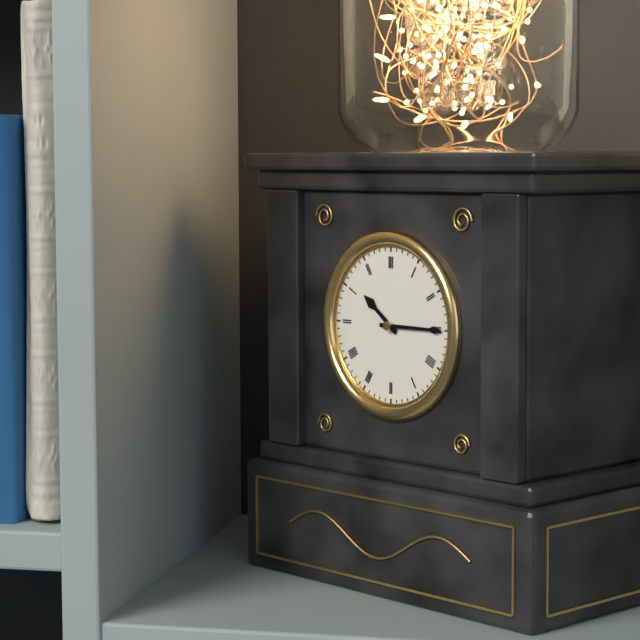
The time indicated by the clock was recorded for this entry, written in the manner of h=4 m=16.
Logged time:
h=10 m=15
